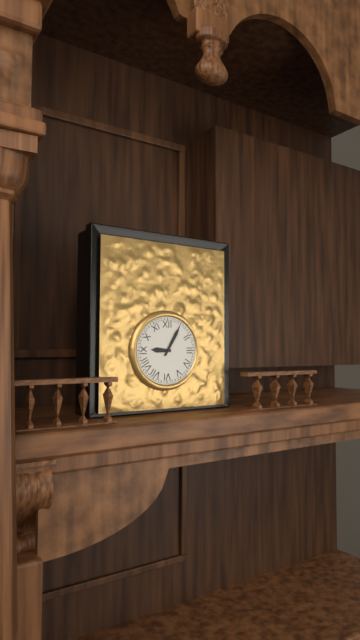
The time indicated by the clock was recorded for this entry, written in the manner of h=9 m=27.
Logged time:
h=9 m=5
